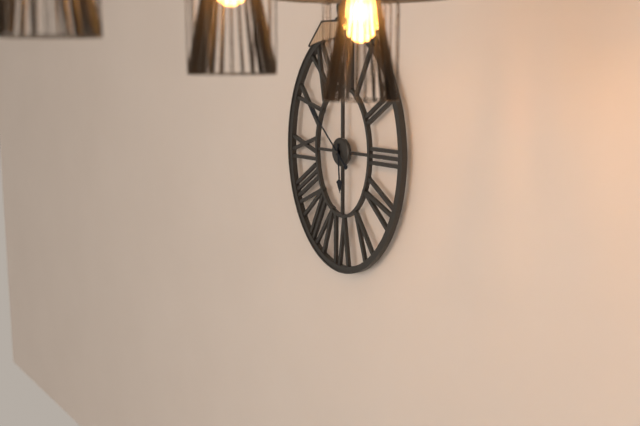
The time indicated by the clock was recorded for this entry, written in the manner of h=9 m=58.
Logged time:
h=5 m=52
